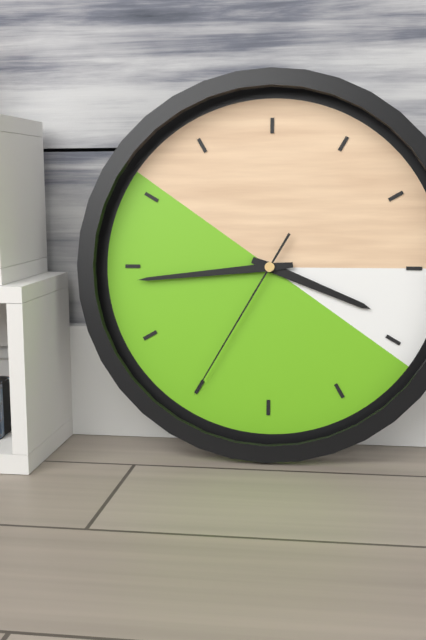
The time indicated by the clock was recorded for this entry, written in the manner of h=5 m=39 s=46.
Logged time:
h=3 m=44 s=35
